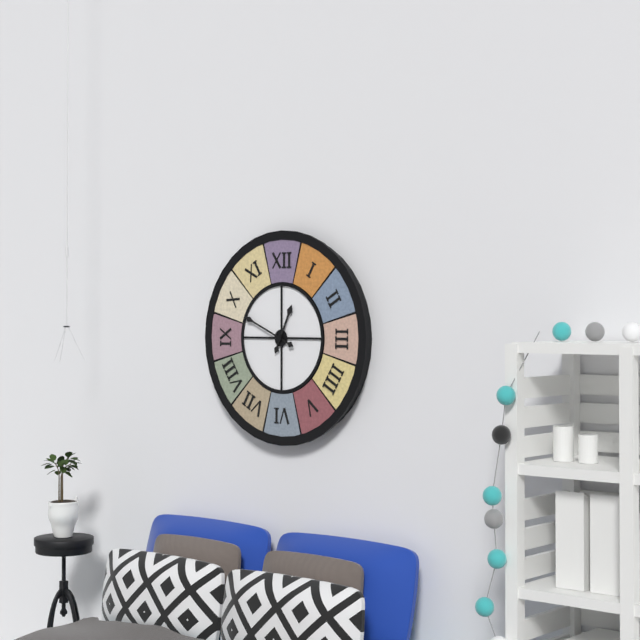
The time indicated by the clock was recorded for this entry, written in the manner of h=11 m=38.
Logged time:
h=12 m=49
